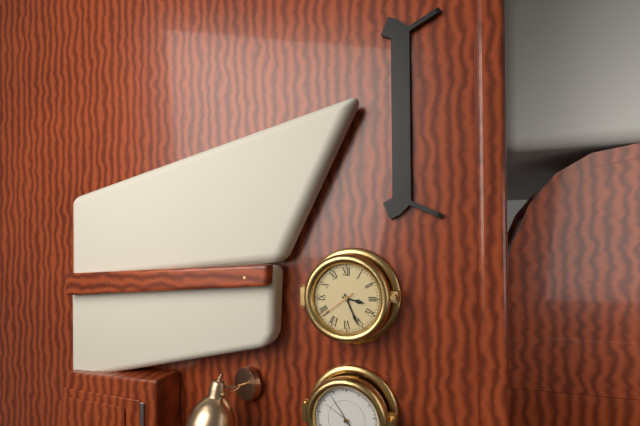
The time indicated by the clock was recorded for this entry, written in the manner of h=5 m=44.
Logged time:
h=3 m=26
